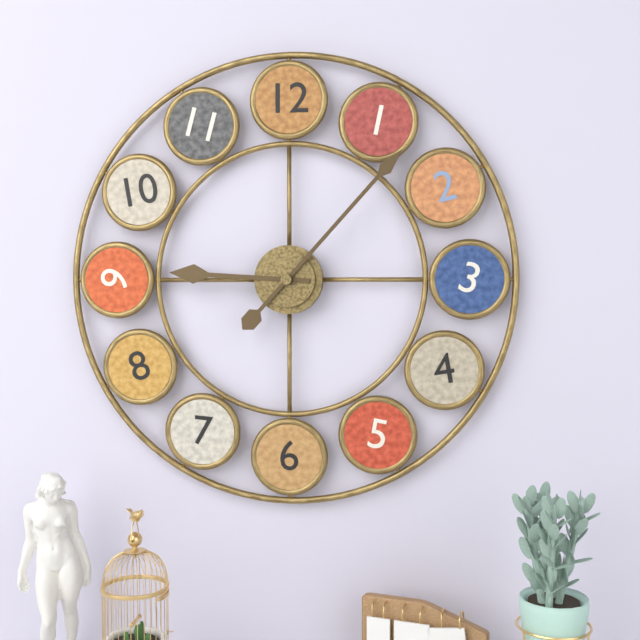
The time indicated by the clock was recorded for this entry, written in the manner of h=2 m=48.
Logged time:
h=9 m=7
